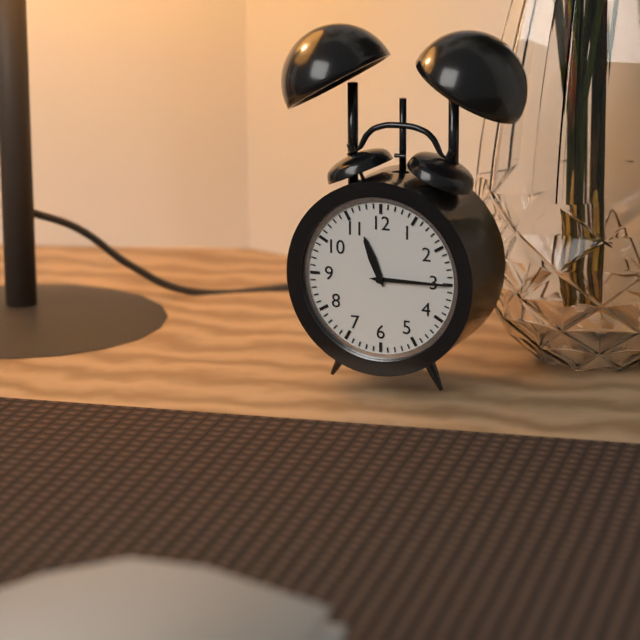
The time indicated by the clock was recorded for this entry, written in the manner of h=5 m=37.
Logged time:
h=11 m=15
